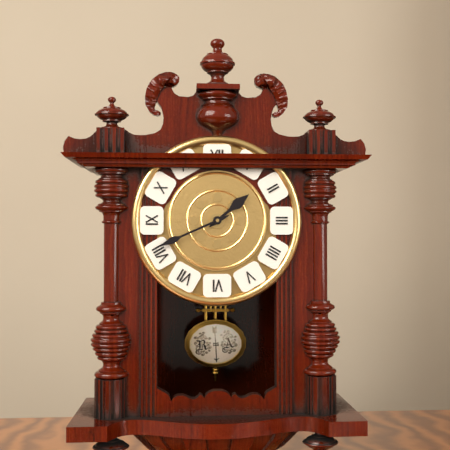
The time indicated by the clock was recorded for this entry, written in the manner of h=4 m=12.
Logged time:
h=1 m=41
